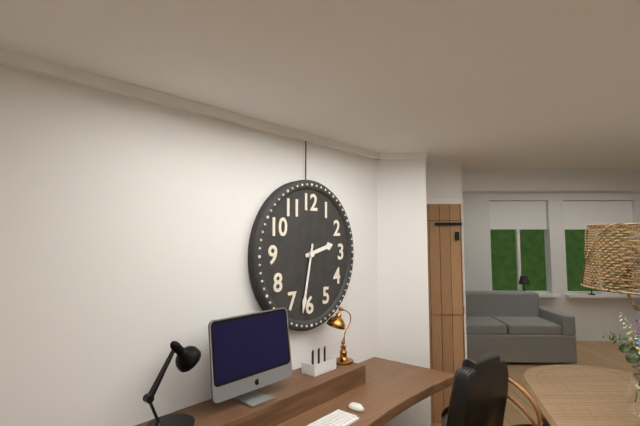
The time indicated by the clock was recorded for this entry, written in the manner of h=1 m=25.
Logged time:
h=2 m=32
